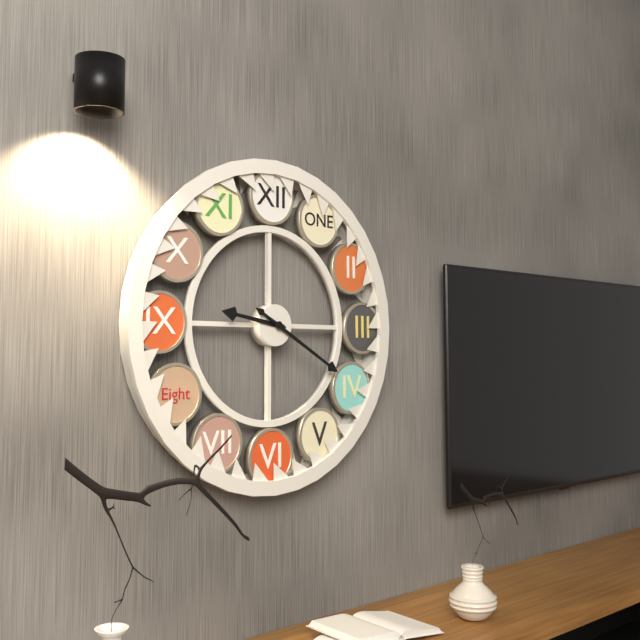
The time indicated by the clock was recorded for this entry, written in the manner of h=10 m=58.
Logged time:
h=9 m=20
